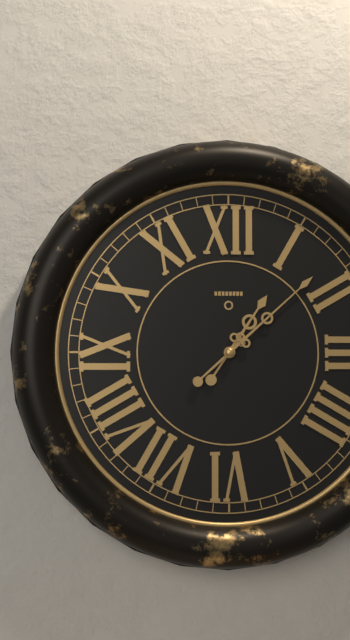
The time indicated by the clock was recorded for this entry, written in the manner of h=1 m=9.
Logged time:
h=1 m=8
